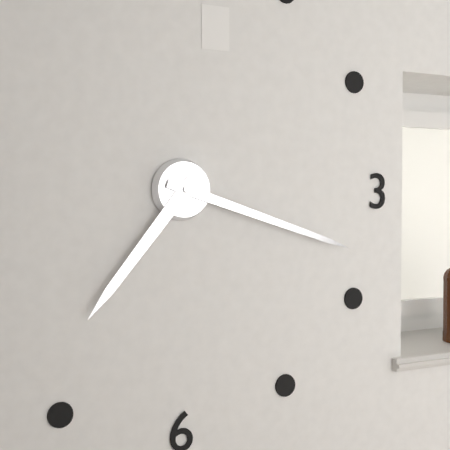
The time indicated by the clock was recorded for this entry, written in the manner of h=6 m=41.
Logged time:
h=7 m=18
